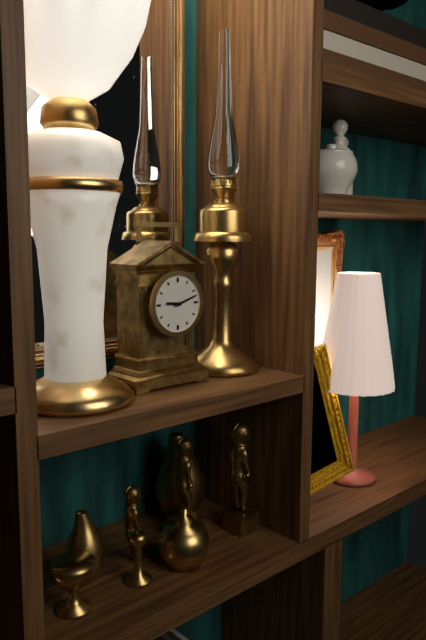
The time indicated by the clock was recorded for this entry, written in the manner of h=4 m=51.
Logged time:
h=9 m=12
